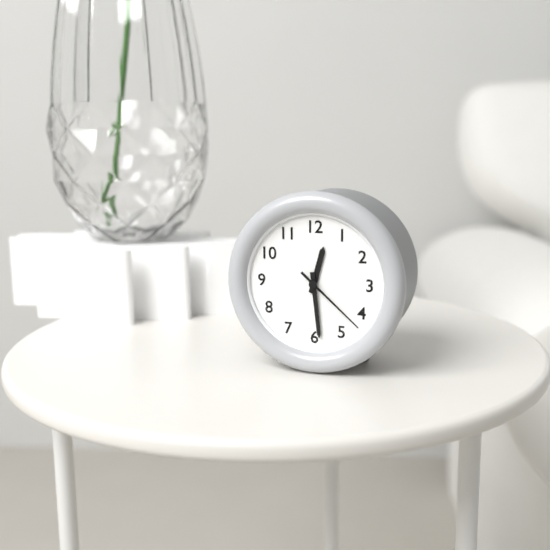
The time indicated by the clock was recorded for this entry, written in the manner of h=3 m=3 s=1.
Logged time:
h=12 m=29 s=22
